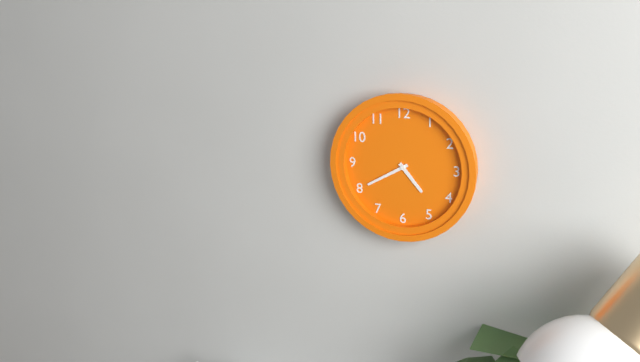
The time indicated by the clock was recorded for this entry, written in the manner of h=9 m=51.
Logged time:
h=4 m=40
